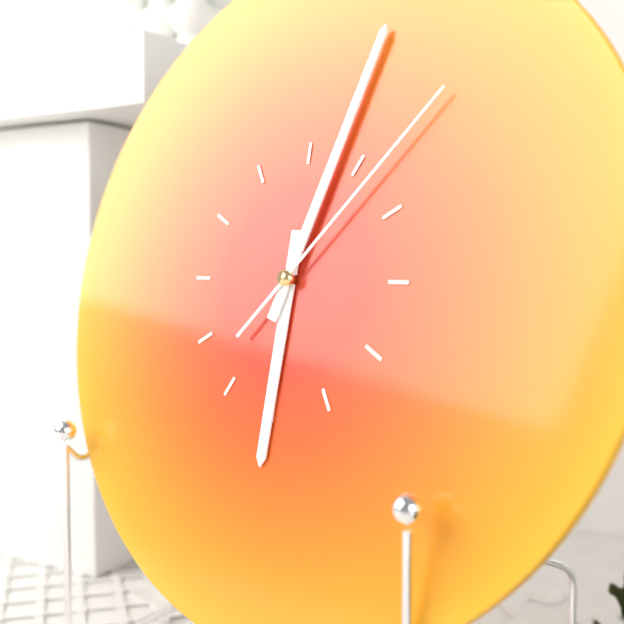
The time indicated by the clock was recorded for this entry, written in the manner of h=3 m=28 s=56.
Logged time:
h=6 m=3 s=7
